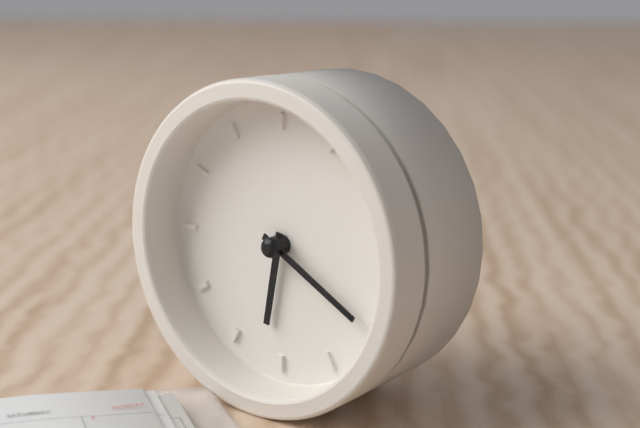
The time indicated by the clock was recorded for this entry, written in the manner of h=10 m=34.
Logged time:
h=6 m=20
